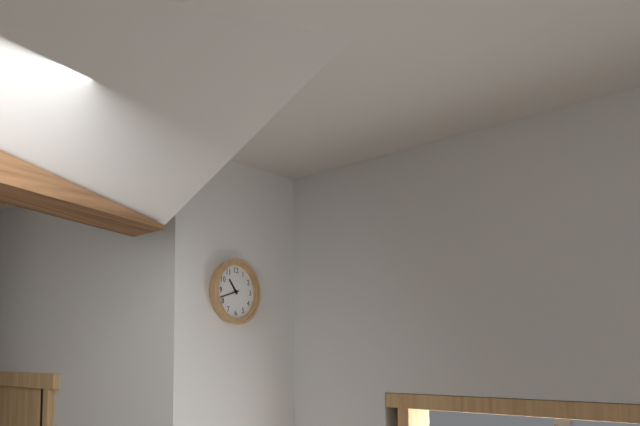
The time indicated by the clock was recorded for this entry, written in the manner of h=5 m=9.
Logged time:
h=10 m=42
